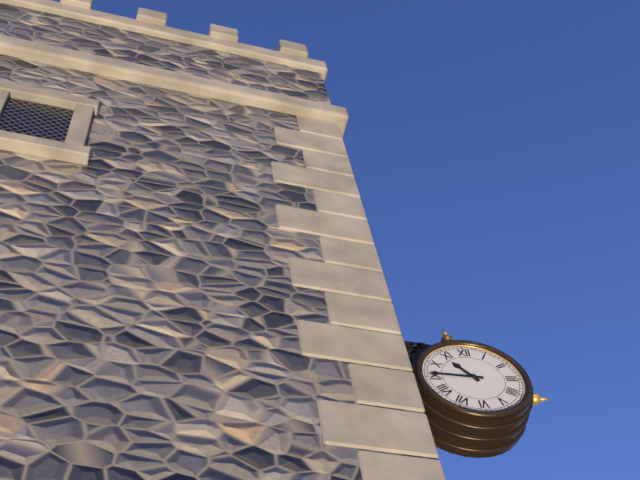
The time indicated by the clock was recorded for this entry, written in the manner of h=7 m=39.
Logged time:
h=10 m=46
